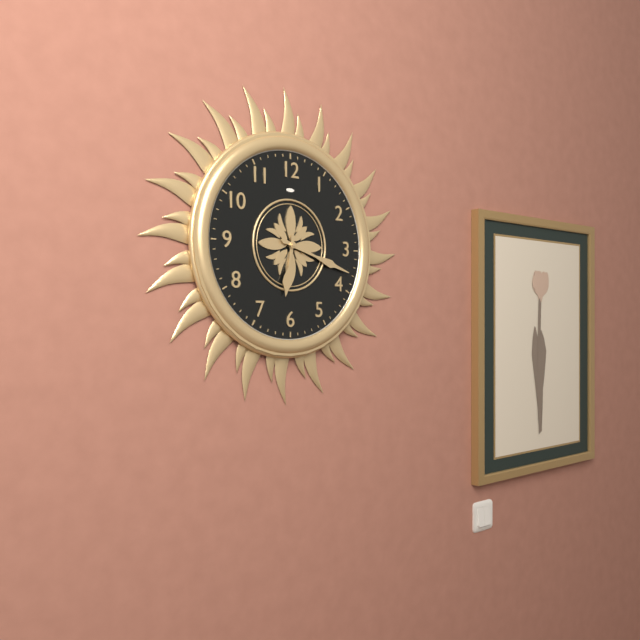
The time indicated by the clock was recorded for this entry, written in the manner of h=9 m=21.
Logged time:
h=6 m=18
